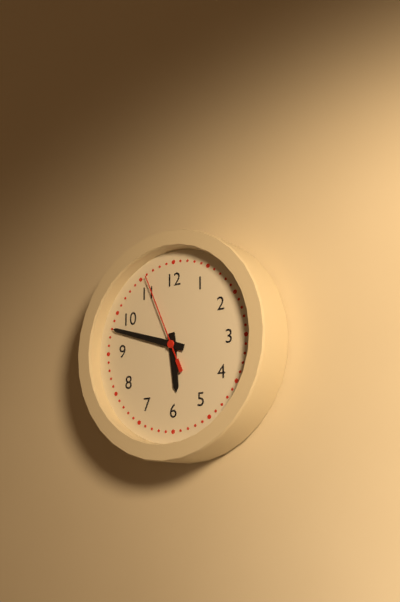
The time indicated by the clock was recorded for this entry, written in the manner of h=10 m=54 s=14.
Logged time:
h=5 m=48 s=56
